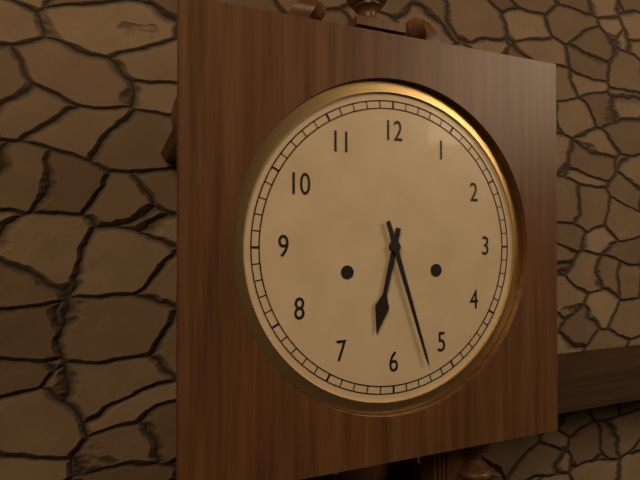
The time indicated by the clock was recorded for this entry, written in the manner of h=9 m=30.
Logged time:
h=6 m=27
